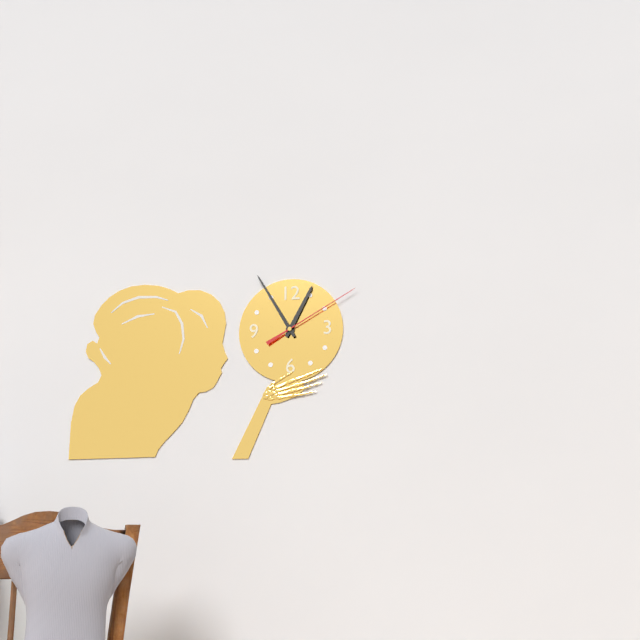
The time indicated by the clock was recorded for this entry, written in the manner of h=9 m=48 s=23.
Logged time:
h=12 m=55 s=10
